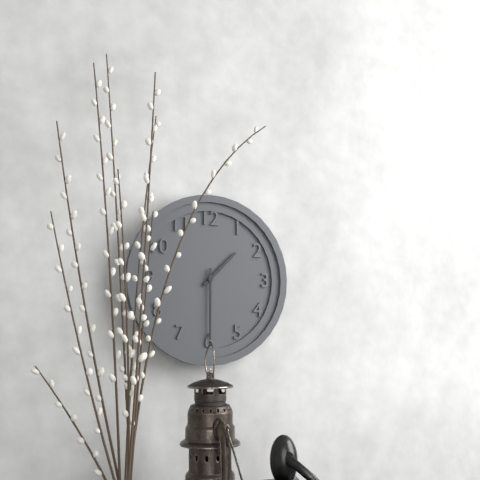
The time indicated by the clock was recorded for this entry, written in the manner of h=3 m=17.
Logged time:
h=1 m=30
